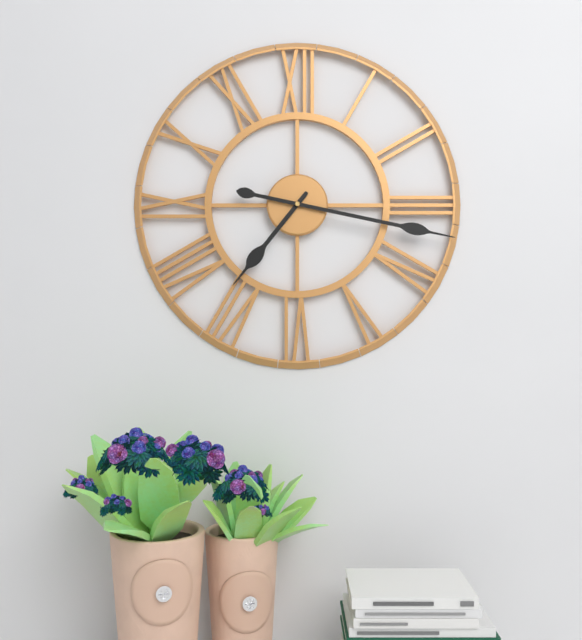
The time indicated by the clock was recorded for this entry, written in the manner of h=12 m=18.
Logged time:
h=7 m=17
